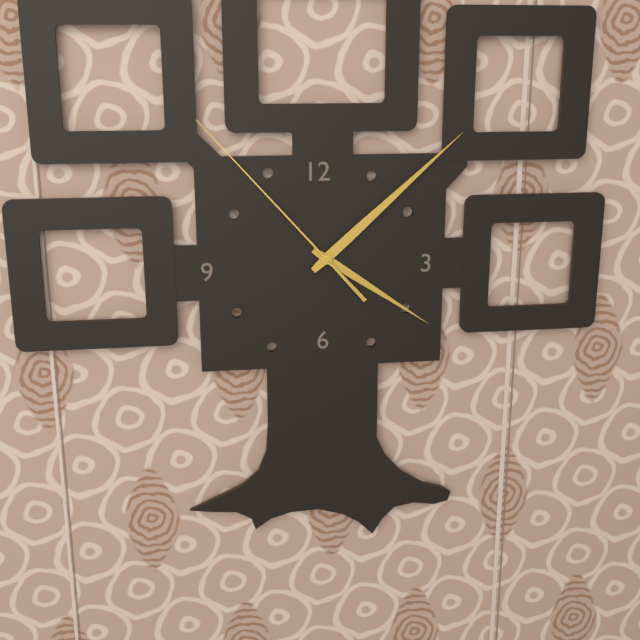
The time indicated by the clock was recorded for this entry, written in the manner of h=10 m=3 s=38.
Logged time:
h=4 m=8 s=53
